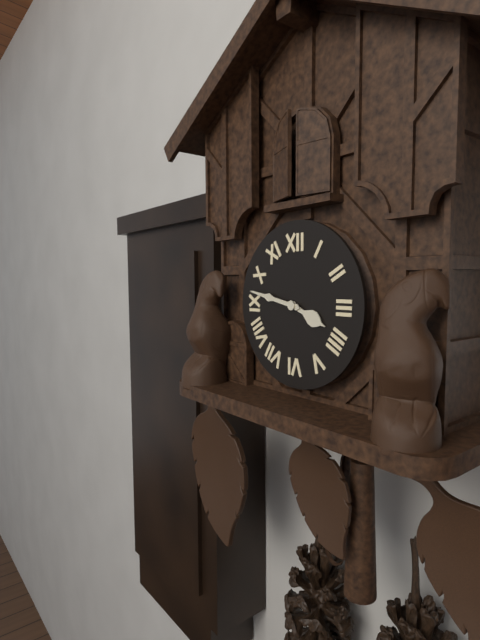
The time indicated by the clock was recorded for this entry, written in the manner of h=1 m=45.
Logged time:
h=3 m=47
